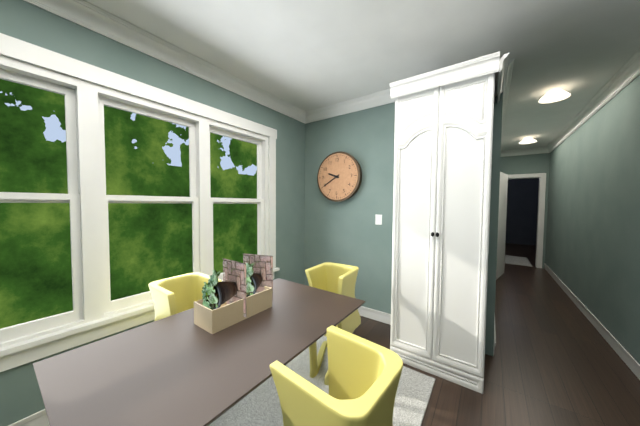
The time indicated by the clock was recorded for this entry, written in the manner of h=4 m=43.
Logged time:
h=9 m=40
